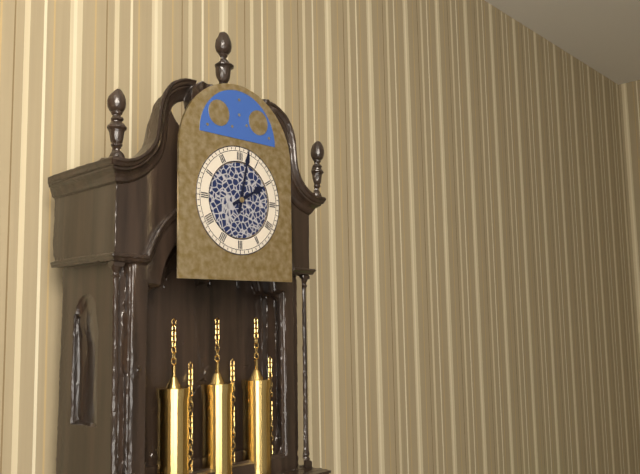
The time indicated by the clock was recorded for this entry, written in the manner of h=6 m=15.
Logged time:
h=2 m=2
